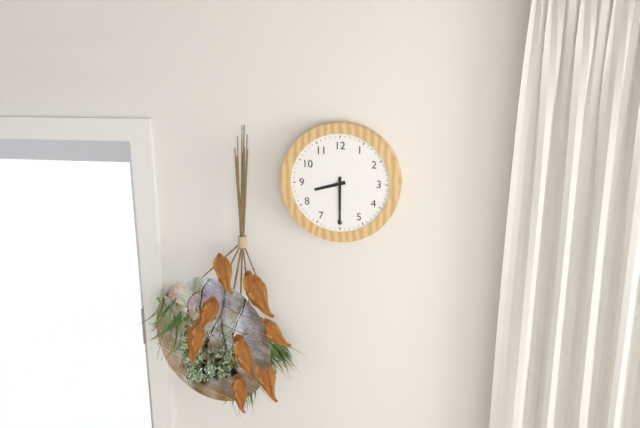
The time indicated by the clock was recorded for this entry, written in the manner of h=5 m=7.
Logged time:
h=8 m=30
